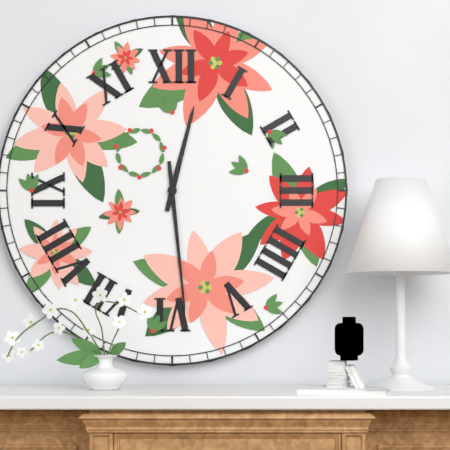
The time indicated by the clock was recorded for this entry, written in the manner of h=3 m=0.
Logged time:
h=12 m=29
